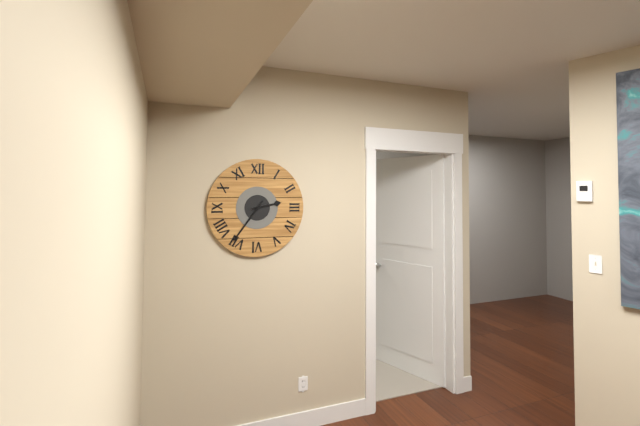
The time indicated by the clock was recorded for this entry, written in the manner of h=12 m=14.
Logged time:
h=2 m=36
